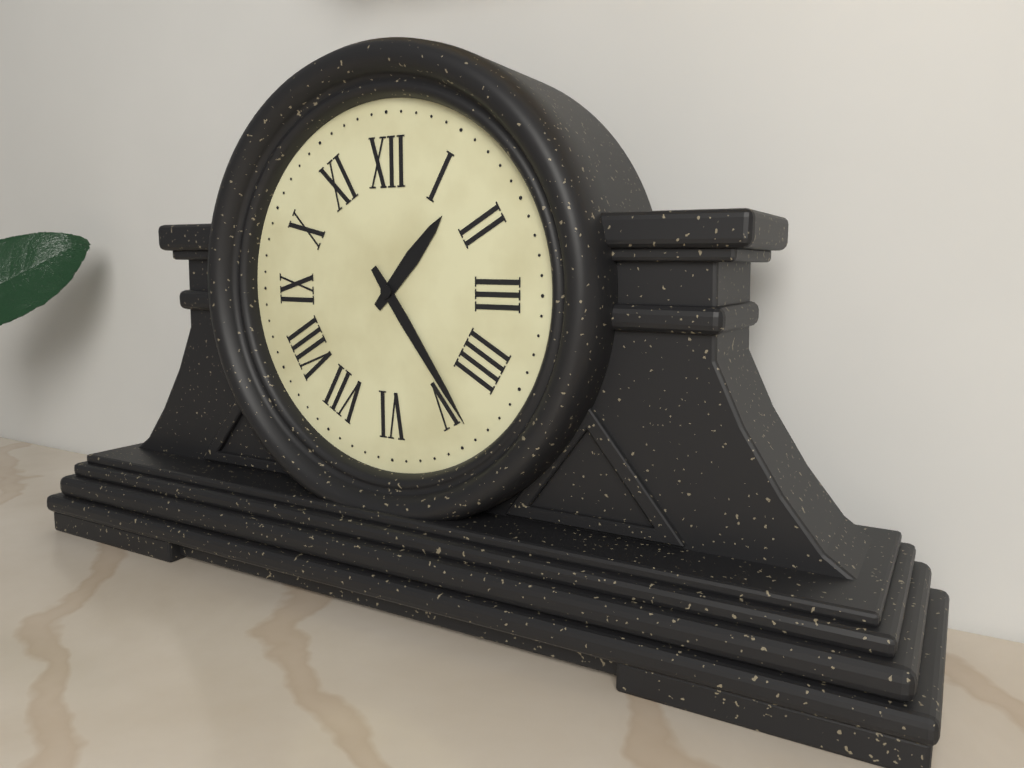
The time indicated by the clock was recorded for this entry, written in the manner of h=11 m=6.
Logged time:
h=1 m=24
